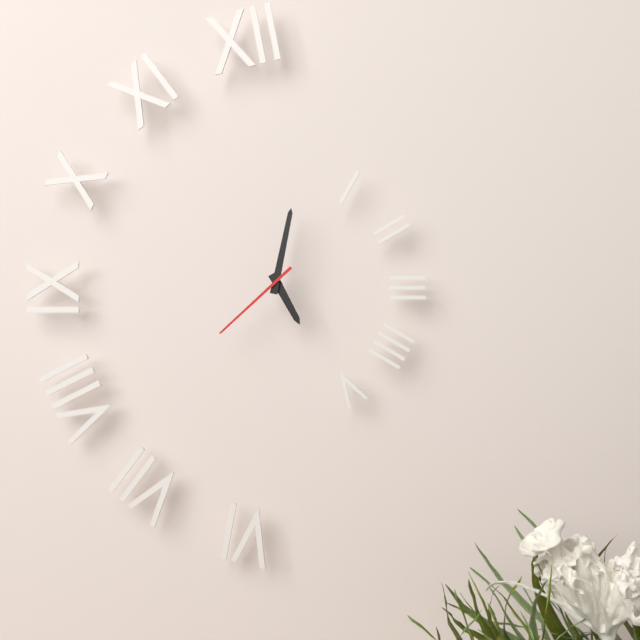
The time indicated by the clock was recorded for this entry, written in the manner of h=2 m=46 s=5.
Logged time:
h=5 m=2 s=38
